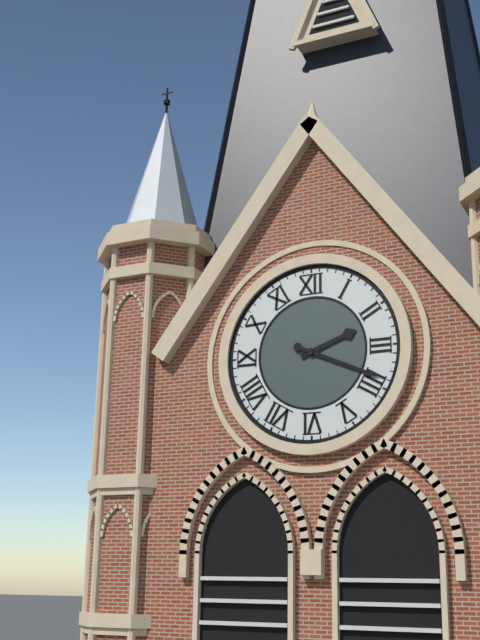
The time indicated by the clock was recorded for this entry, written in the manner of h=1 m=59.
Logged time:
h=2 m=19
